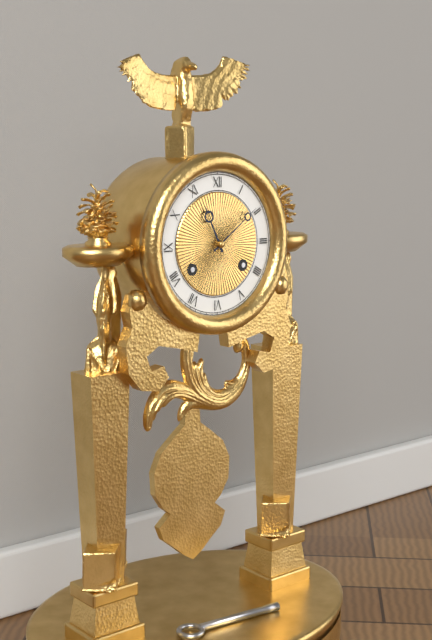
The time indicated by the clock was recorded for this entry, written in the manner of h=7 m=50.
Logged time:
h=11 m=9
